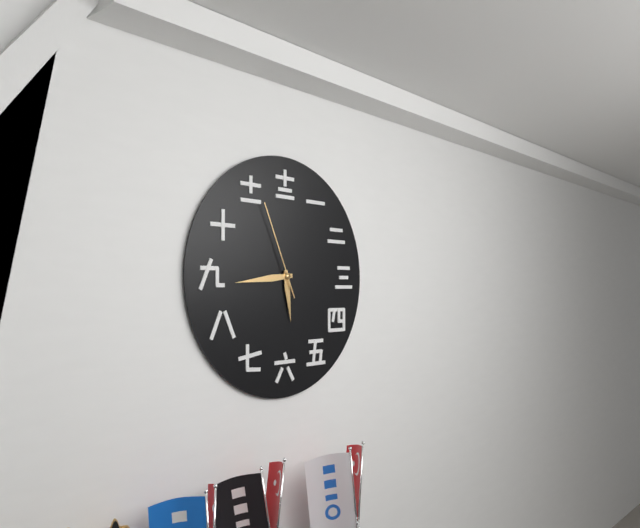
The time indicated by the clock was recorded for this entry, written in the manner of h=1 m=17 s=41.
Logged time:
h=5 m=44 s=56
